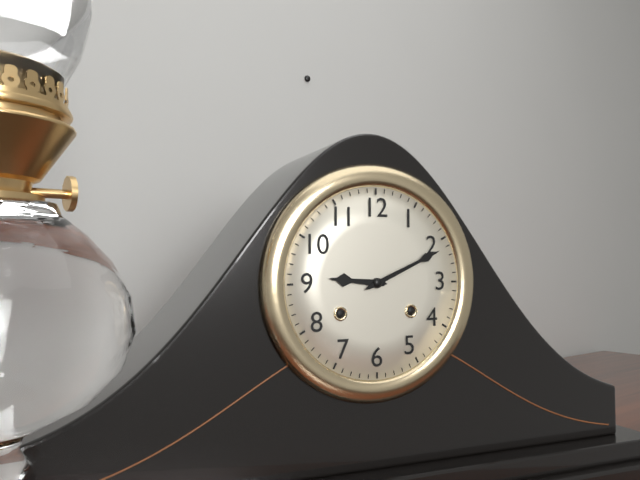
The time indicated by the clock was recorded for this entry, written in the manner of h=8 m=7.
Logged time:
h=9 m=11
